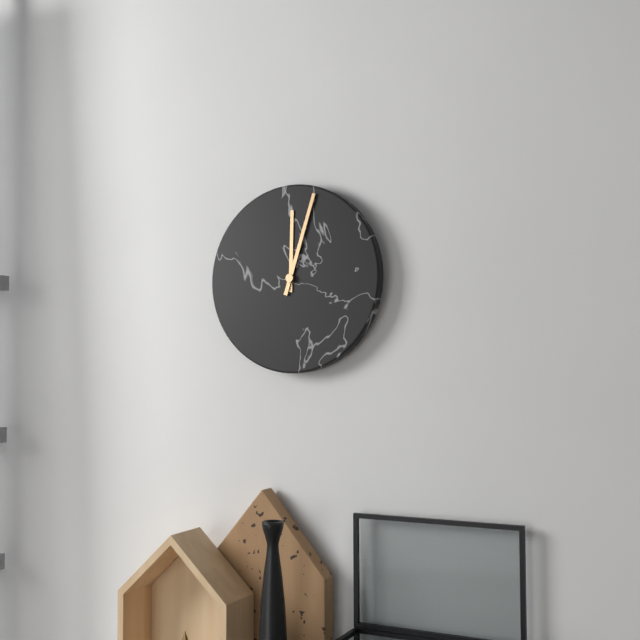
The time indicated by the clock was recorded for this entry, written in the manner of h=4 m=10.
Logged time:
h=12 m=3
